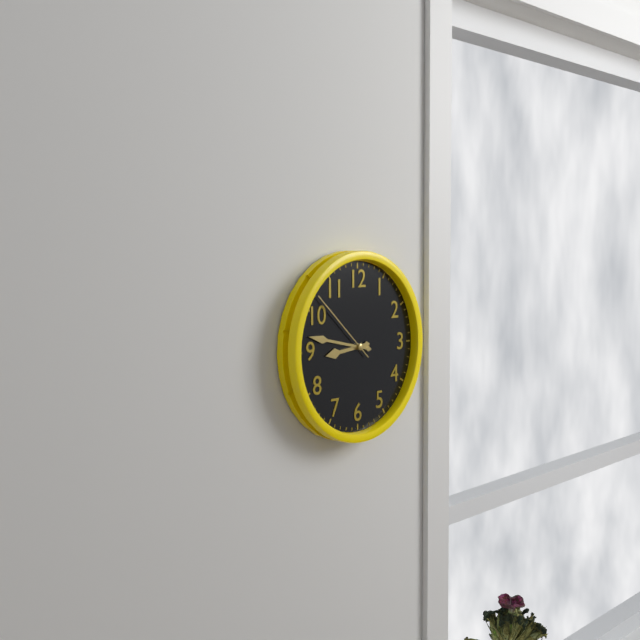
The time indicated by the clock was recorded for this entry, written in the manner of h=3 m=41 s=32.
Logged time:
h=8 m=47 s=52
